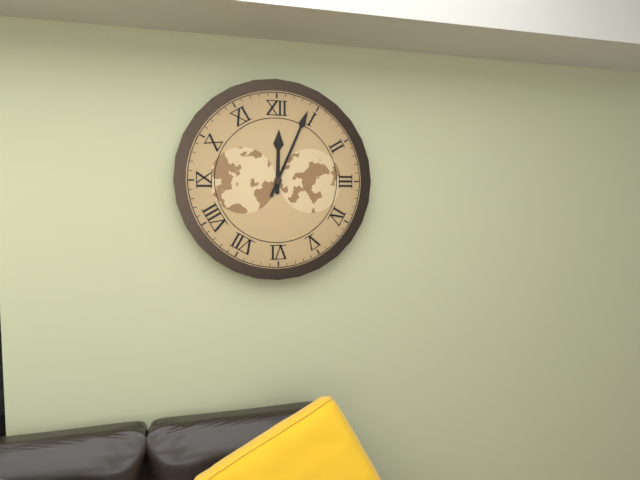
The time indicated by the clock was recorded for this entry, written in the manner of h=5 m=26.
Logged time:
h=12 m=4
